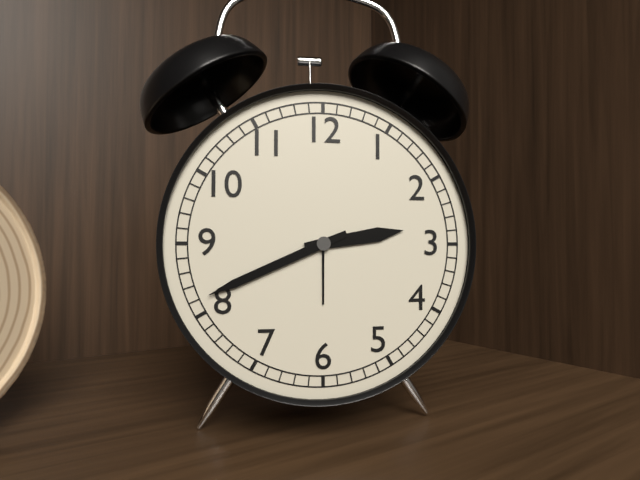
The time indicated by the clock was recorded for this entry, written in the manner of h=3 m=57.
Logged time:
h=2 m=41
